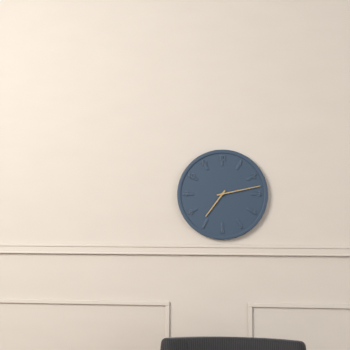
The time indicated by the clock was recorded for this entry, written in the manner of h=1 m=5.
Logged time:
h=7 m=13
